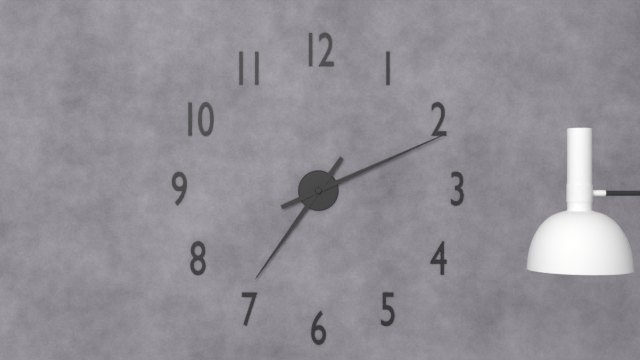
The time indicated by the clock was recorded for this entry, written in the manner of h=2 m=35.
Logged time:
h=7 m=11
